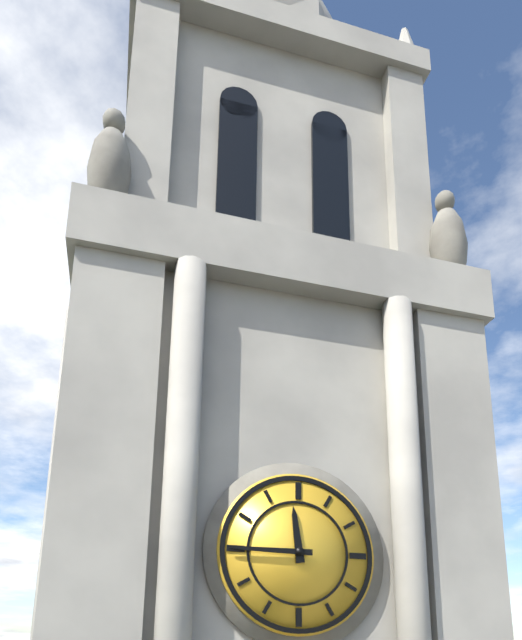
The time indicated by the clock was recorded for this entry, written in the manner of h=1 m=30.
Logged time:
h=11 m=45
